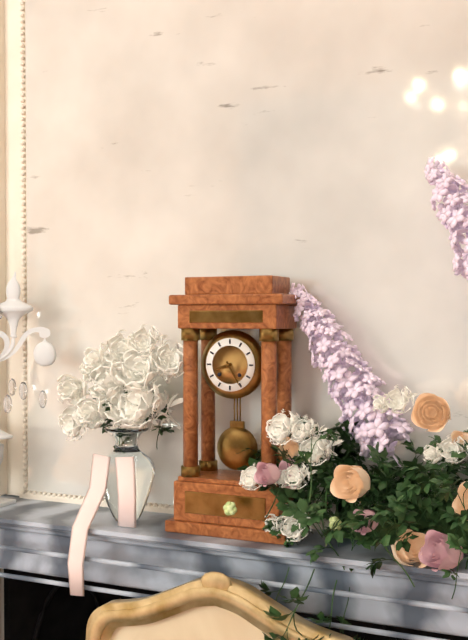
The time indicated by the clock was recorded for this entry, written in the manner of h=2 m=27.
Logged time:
h=8 m=25
